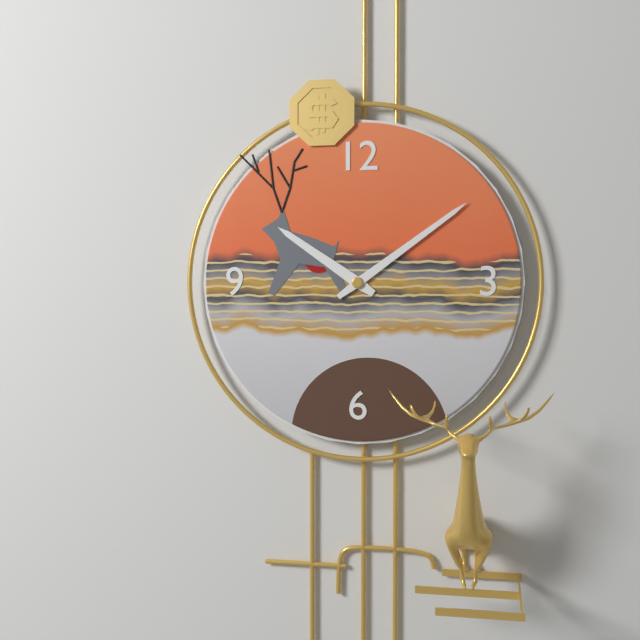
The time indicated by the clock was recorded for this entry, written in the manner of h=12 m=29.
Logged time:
h=10 m=9
